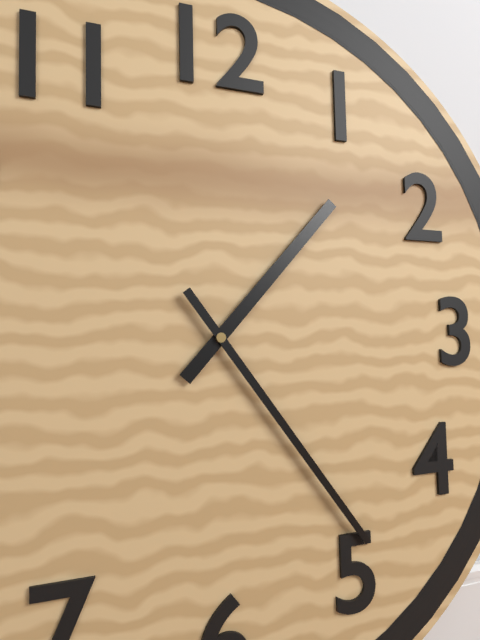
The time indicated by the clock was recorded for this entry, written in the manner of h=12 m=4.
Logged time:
h=1 m=24
